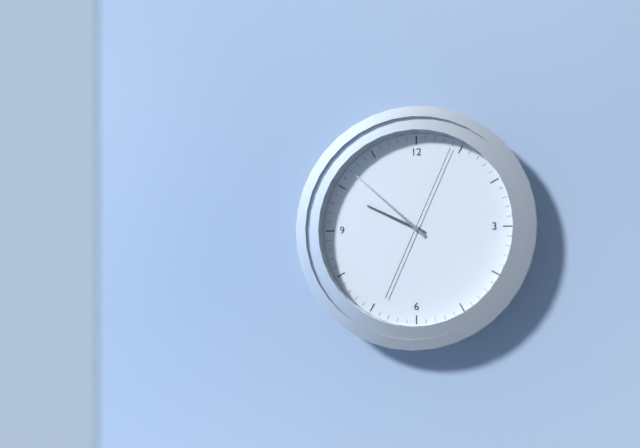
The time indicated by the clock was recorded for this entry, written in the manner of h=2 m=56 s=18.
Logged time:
h=9 m=52 s=4
